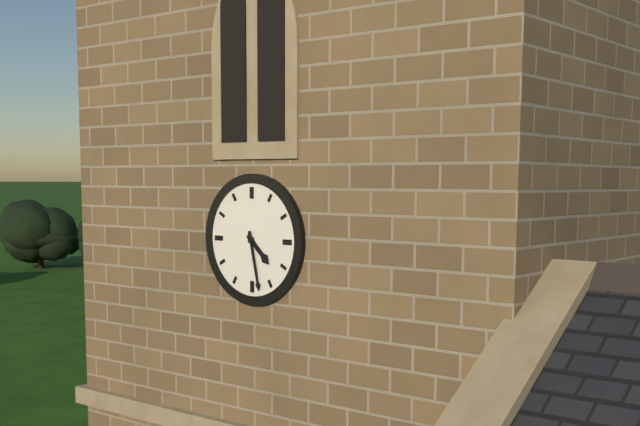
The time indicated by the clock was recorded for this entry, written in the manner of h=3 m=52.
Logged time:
h=4 m=28
